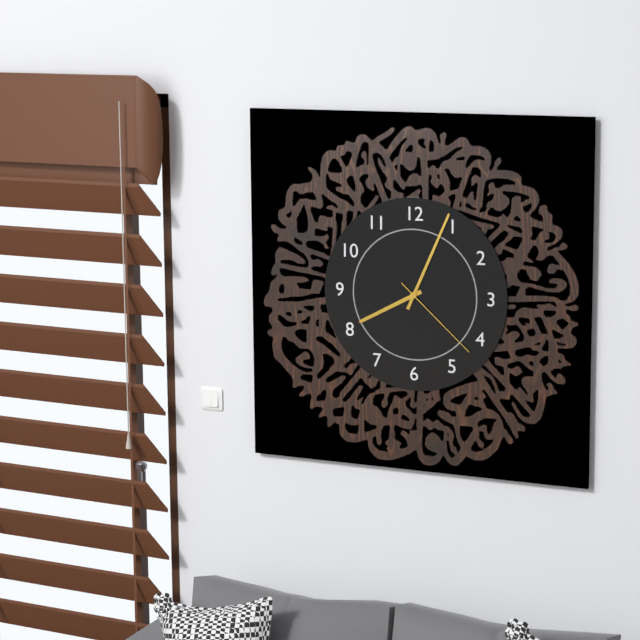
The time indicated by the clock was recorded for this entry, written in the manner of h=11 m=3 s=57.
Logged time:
h=8 m=4 s=22
